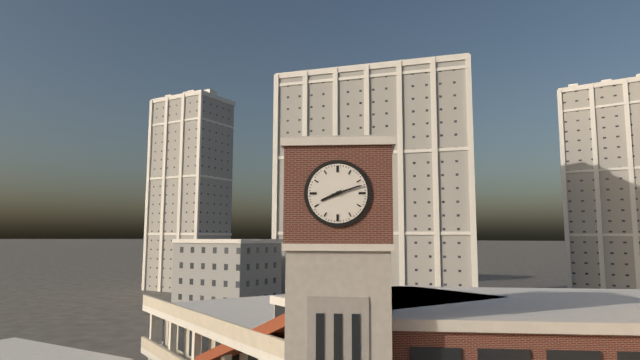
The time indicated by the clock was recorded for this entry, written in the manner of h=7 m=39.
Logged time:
h=8 m=12
